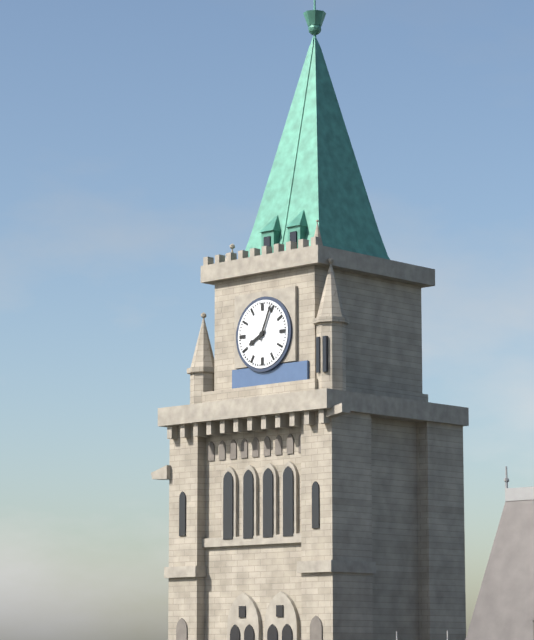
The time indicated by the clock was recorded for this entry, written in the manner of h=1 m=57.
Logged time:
h=8 m=4
